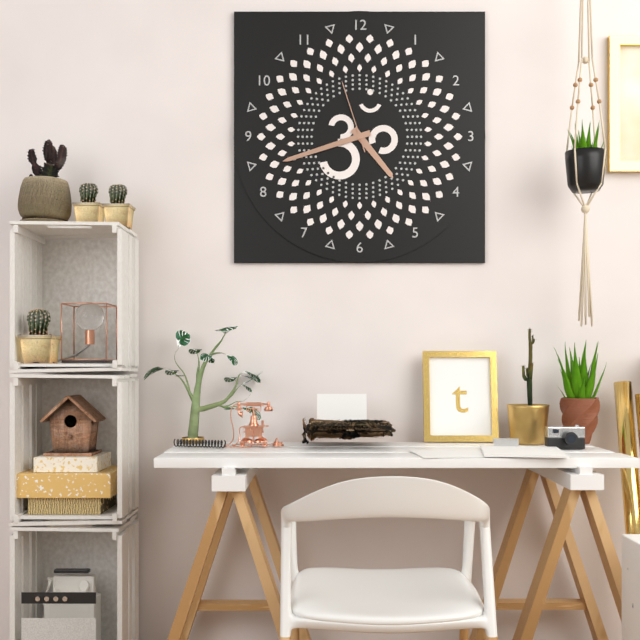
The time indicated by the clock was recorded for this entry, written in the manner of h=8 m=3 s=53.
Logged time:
h=4 m=42 s=57
